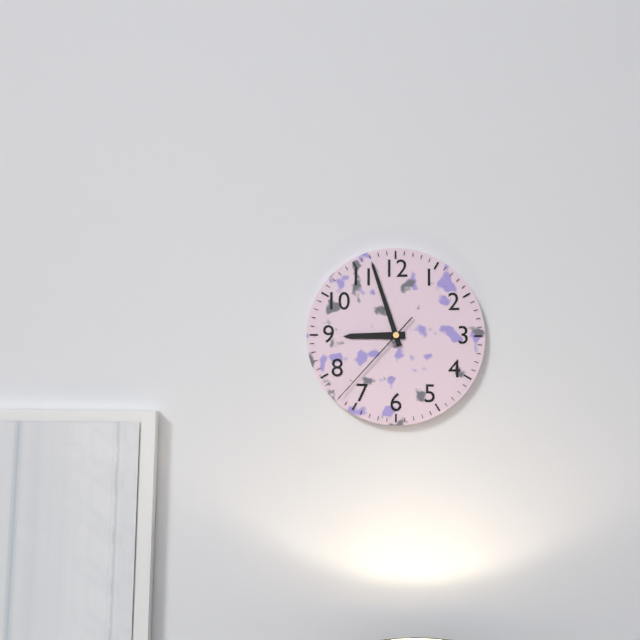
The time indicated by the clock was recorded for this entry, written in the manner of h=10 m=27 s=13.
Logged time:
h=8 m=57 s=37
